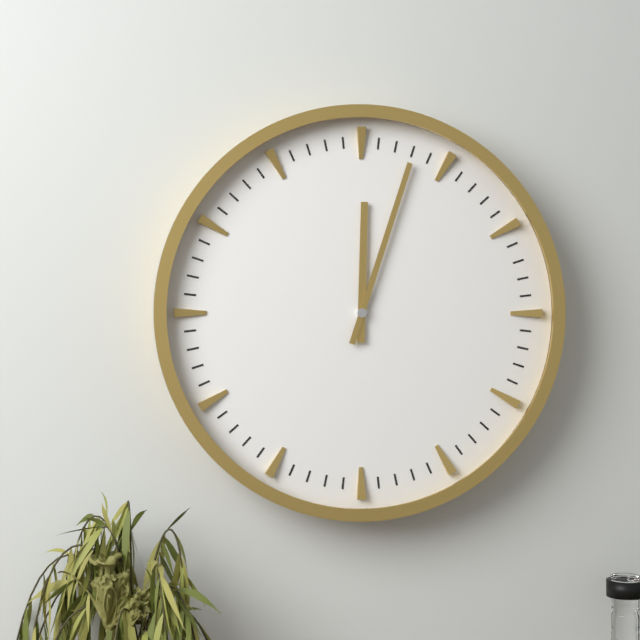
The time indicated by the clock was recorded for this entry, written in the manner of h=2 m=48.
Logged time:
h=12 m=3
